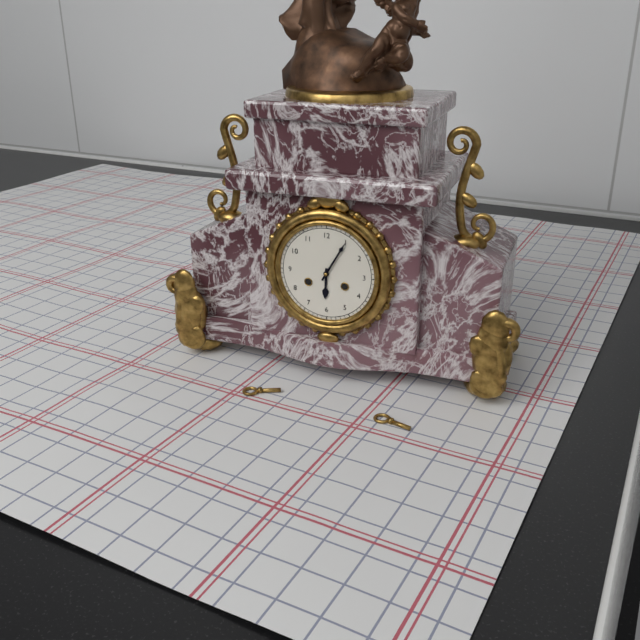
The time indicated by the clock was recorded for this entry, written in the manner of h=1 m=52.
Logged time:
h=6 m=5
